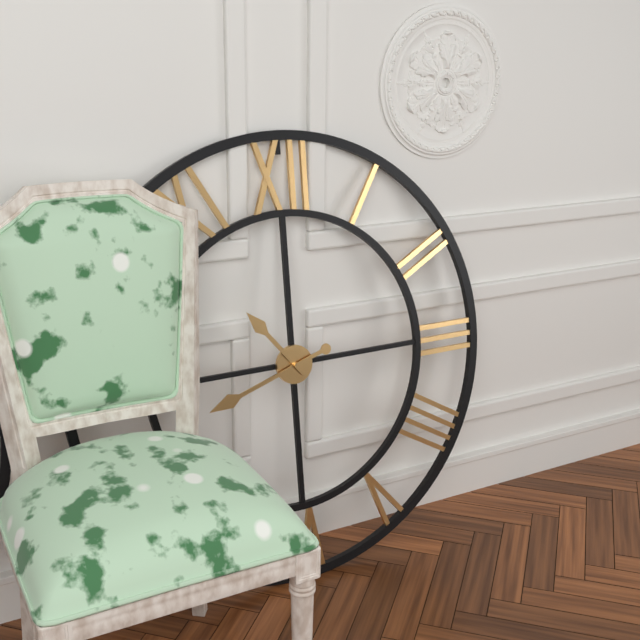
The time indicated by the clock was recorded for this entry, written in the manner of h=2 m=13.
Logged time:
h=10 m=42
